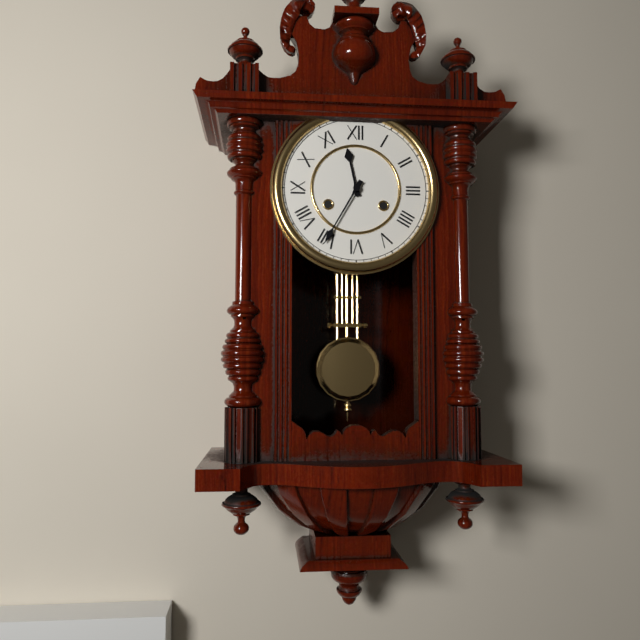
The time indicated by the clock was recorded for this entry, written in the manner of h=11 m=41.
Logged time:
h=11 m=35
